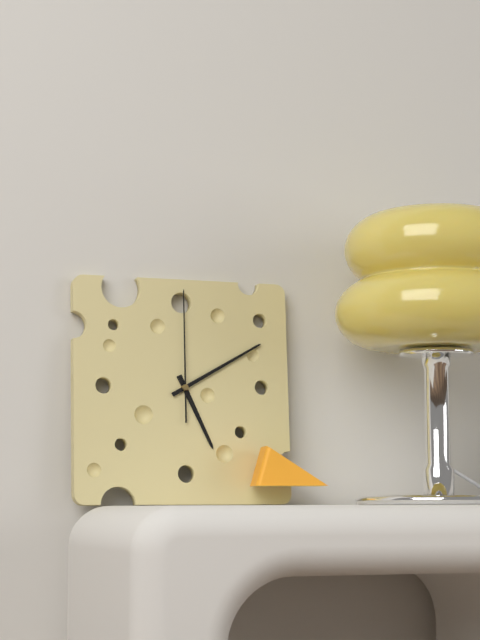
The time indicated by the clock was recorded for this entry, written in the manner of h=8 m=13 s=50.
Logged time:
h=5 m=10 s=0
